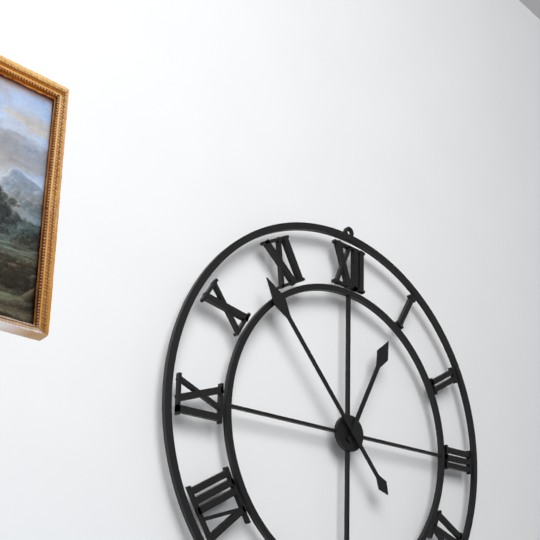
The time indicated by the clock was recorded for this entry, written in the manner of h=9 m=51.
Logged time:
h=12 m=53
